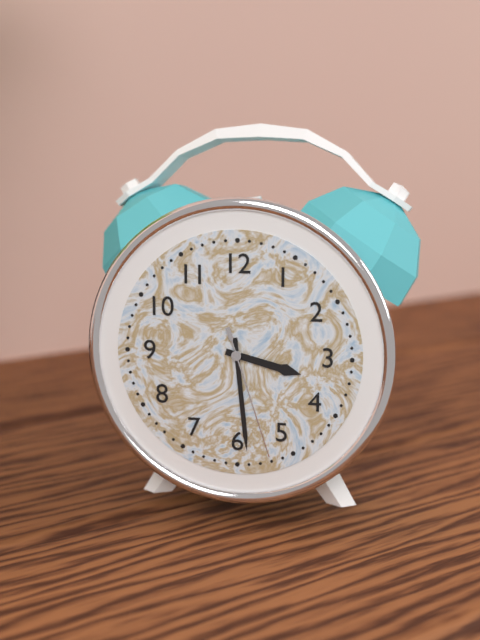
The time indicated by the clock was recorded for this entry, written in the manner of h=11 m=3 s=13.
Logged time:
h=3 m=29 s=27
